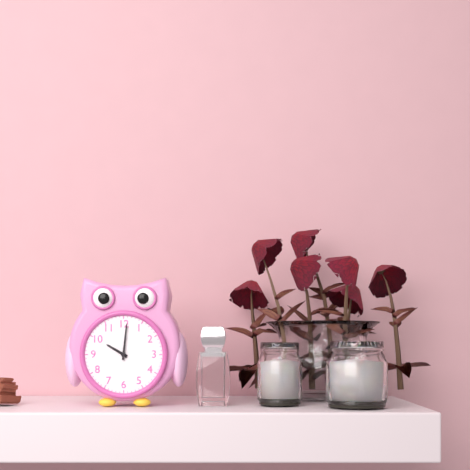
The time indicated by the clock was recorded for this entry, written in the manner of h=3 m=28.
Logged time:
h=10 m=1
